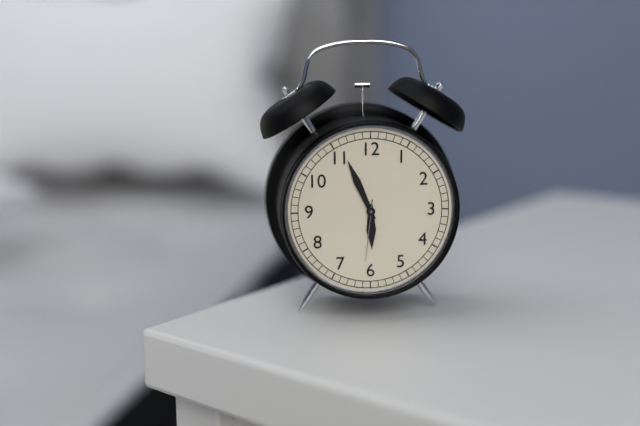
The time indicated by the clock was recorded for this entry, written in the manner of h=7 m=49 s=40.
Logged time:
h=5 m=56 s=31
